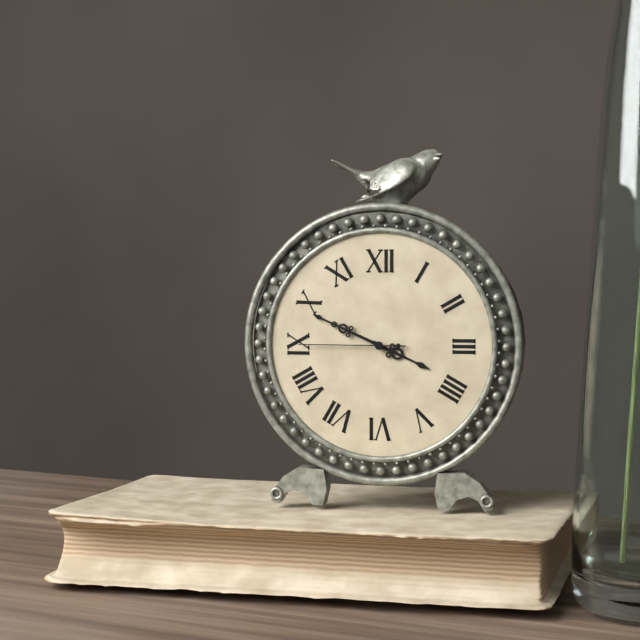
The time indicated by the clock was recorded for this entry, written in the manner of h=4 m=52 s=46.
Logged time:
h=3 m=49 s=45
